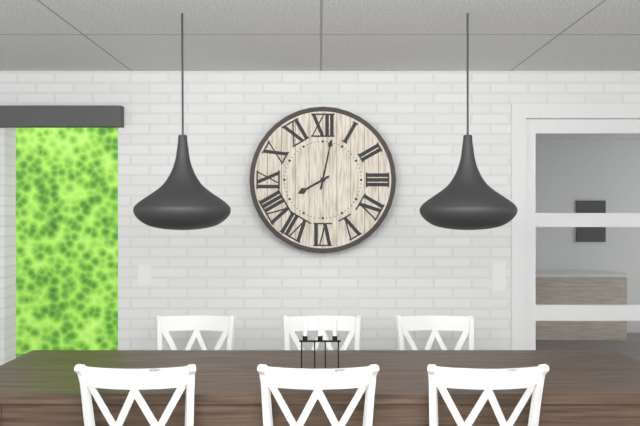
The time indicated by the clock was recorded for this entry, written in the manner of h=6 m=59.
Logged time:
h=8 m=2
